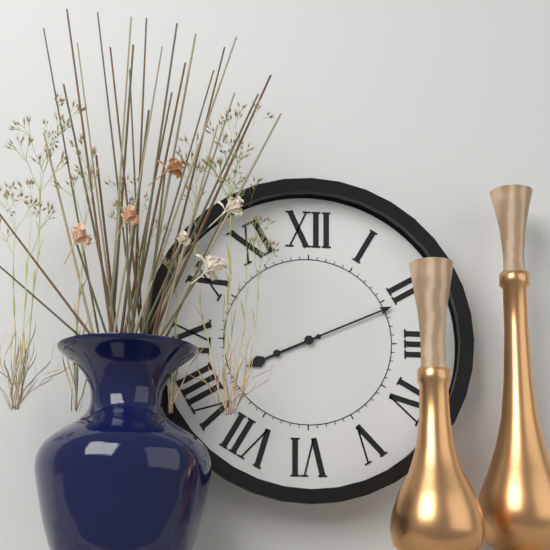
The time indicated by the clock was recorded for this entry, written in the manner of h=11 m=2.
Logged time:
h=8 m=11
